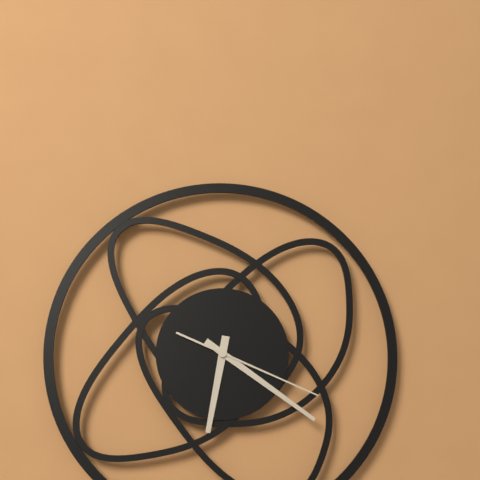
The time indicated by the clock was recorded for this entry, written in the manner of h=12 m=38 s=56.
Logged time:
h=6 m=21 s=19
